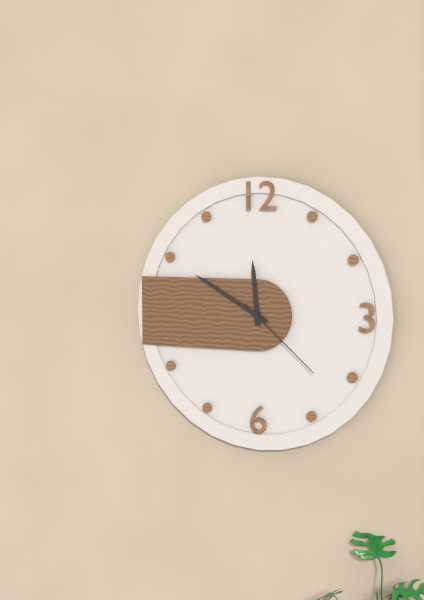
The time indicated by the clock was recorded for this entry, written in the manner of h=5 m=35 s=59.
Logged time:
h=11 m=50 s=22
